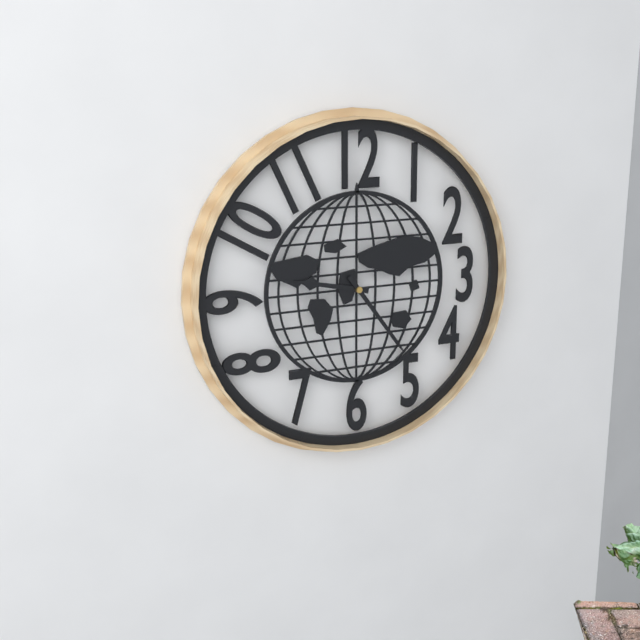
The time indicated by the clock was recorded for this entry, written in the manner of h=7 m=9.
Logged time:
h=9 m=24
